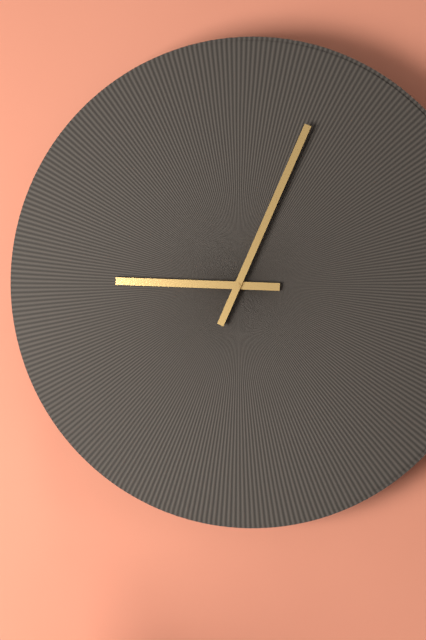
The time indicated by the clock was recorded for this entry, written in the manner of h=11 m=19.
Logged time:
h=9 m=4
